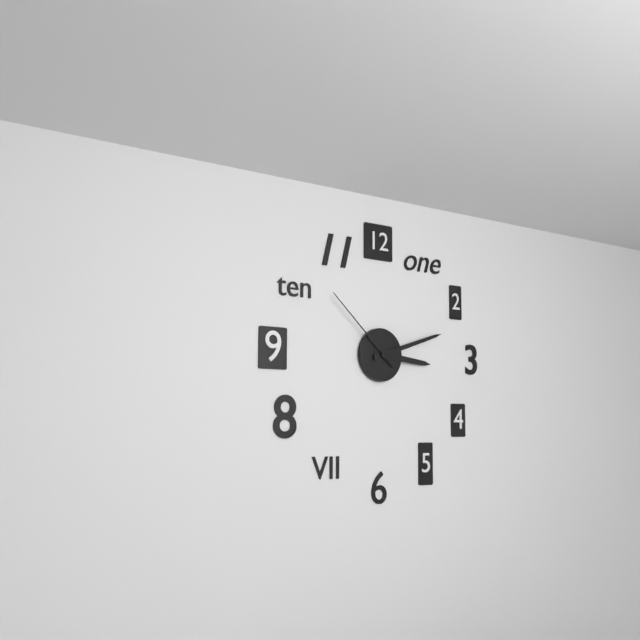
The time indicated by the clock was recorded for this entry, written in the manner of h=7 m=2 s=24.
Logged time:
h=3 m=12 s=52
